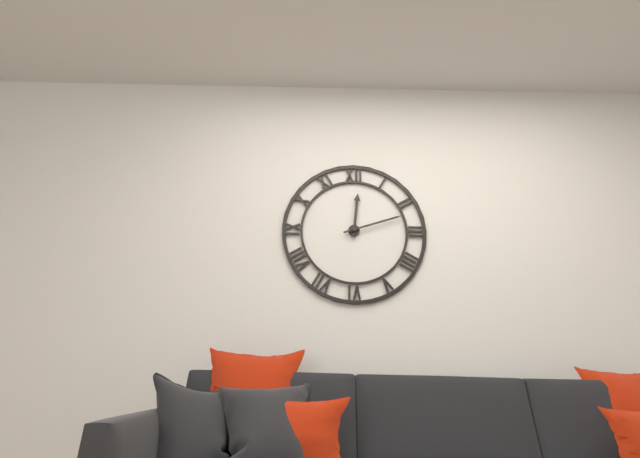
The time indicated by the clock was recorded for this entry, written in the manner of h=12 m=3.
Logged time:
h=12 m=12
